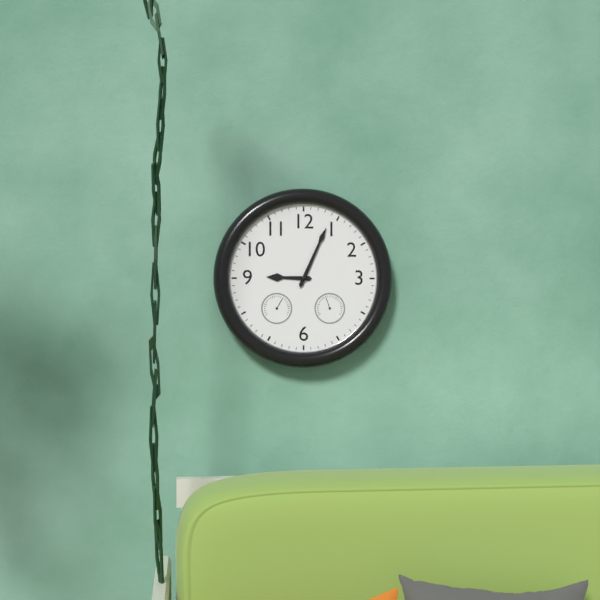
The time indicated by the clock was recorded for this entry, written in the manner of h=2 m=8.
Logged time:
h=9 m=4
